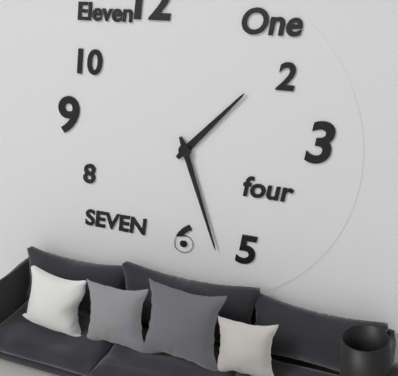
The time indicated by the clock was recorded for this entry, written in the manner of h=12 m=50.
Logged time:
h=1 m=27
